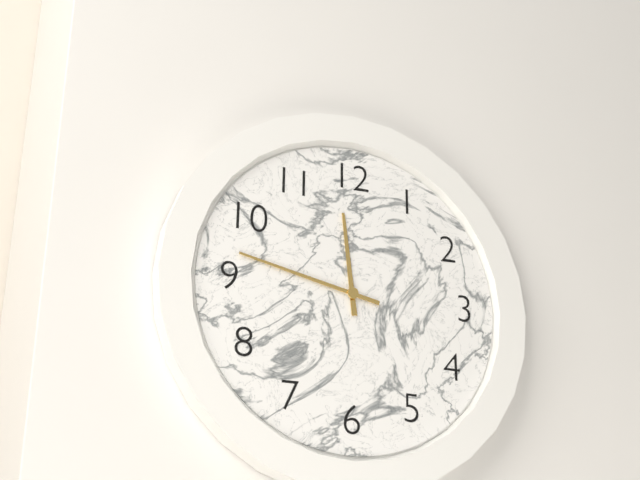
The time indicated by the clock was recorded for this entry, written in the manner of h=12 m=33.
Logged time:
h=11 m=47
